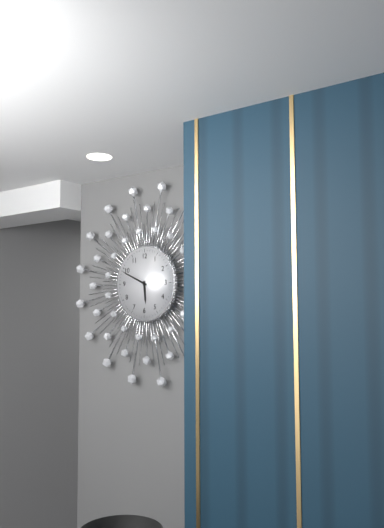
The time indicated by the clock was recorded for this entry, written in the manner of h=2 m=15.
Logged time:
h=5 m=49
